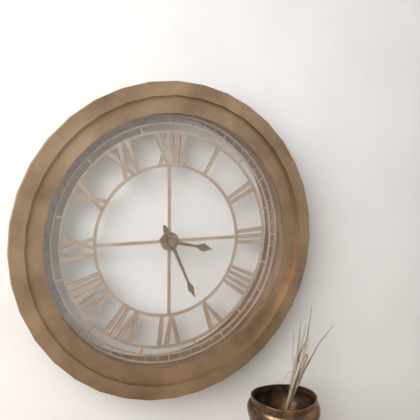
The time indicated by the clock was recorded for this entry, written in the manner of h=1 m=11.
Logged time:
h=3 m=26
